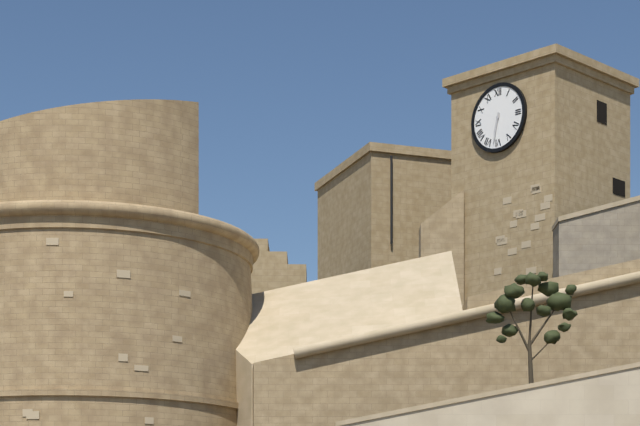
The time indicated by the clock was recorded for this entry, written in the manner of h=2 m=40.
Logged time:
h=6 m=32
